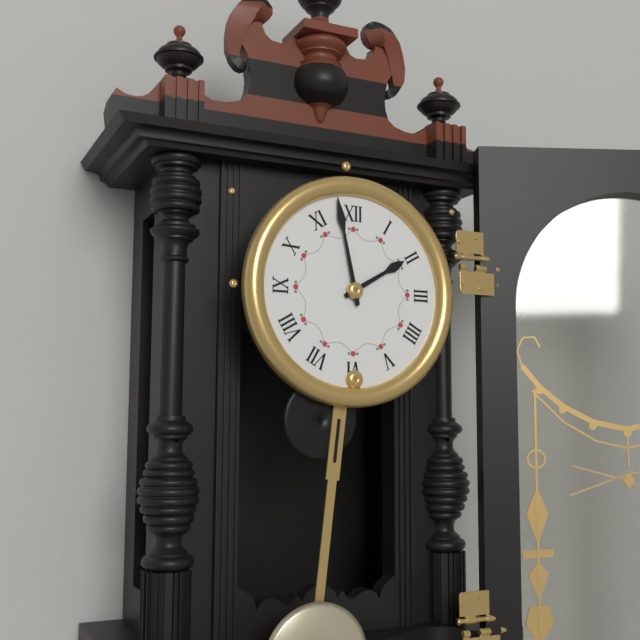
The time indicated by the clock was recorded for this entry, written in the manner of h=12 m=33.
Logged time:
h=1 m=58
